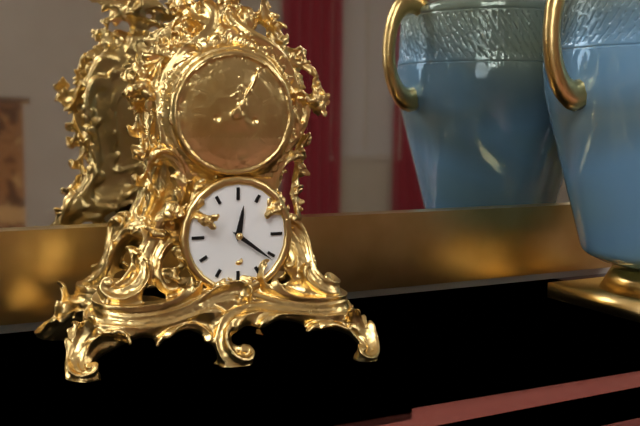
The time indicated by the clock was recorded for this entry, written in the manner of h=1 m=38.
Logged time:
h=12 m=21
